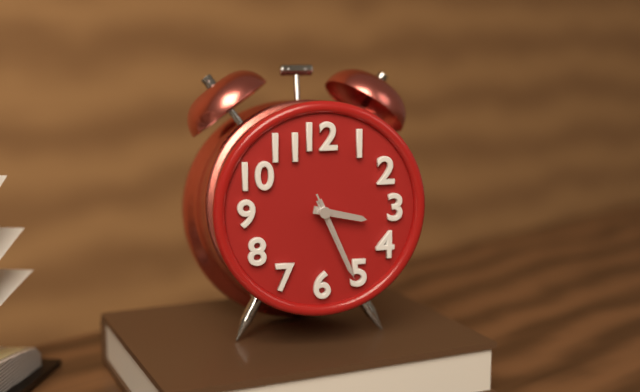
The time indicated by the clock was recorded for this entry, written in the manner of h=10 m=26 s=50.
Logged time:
h=3 m=26 s=26
